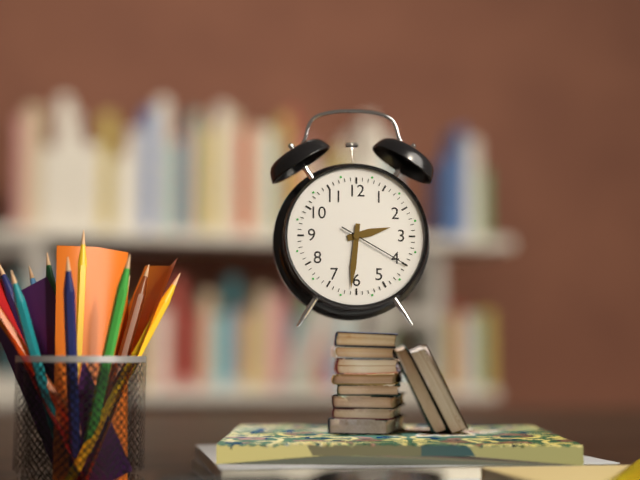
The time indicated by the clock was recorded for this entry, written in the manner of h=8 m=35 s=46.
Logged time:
h=2 m=31 s=20
